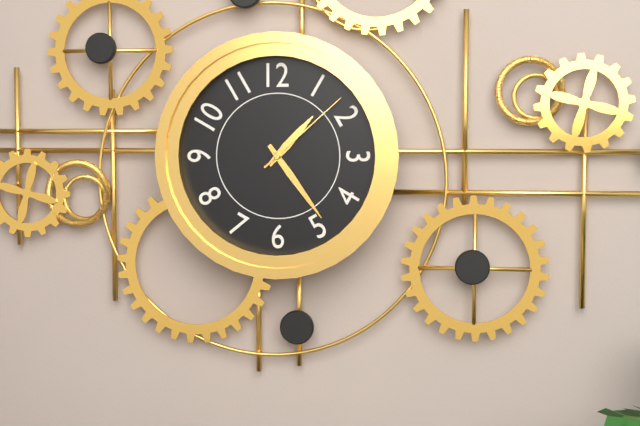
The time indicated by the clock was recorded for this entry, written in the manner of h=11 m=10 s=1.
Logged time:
h=1 m=24 s=8
